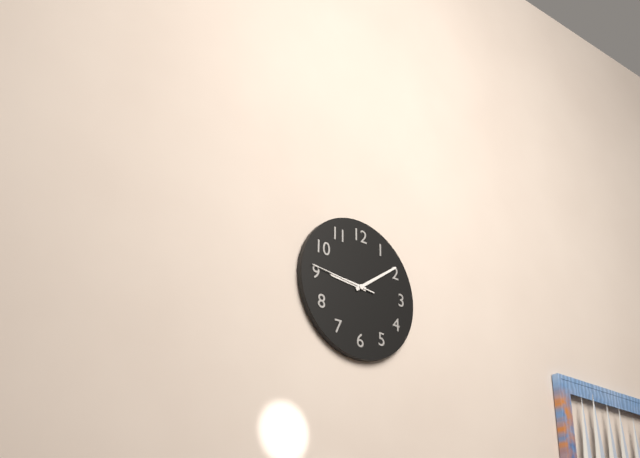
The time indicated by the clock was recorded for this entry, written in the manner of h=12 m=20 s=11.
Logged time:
h=9 m=9 s=46
